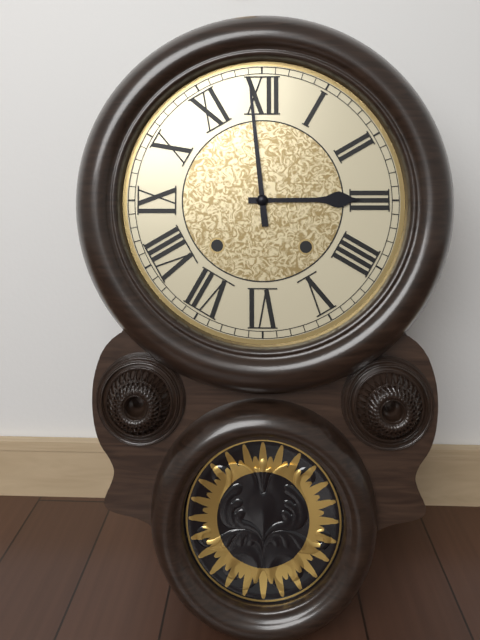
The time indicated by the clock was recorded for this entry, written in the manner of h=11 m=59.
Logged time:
h=2 m=59
